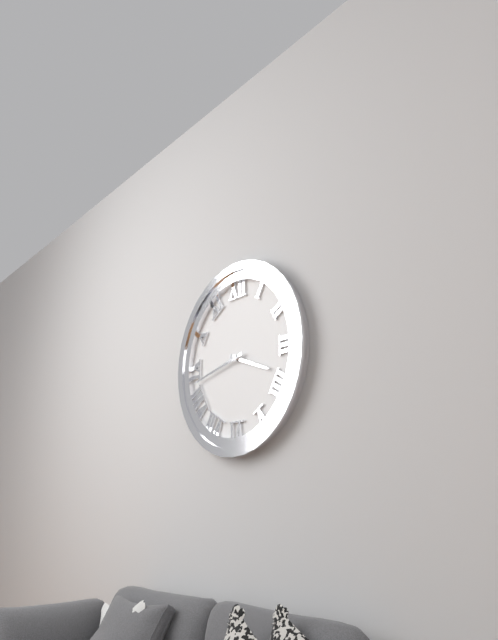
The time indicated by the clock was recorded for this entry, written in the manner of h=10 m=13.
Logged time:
h=3 m=43
